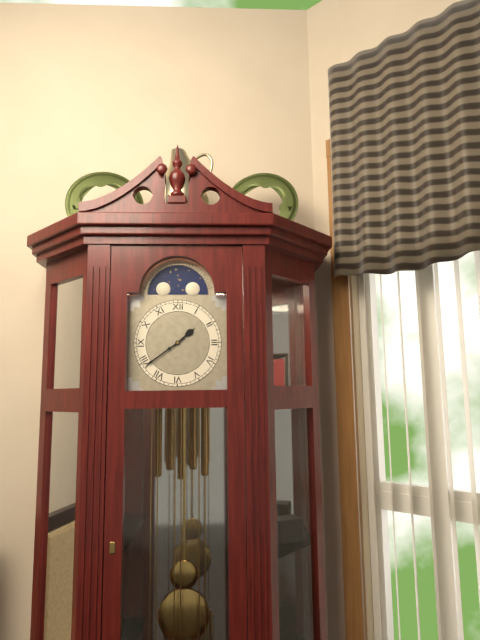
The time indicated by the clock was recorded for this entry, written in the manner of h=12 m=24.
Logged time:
h=1 m=39
